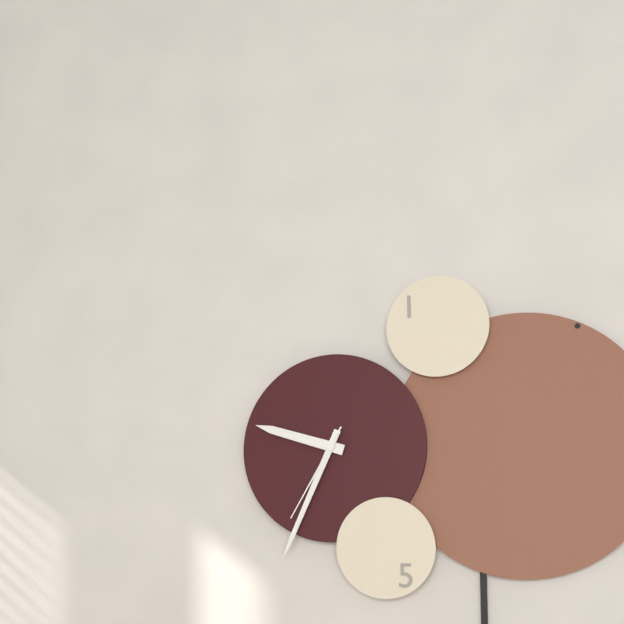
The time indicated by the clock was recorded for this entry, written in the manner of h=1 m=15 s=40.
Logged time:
h=9 m=34 s=35
